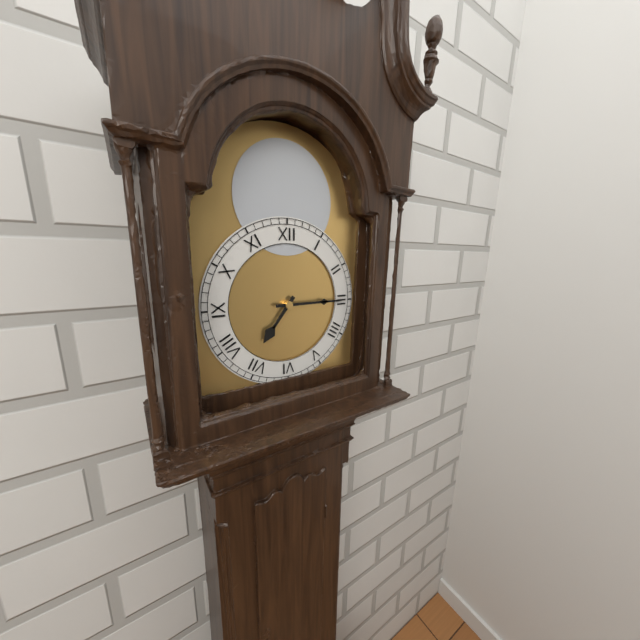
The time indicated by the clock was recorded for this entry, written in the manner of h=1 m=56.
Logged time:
h=7 m=15
